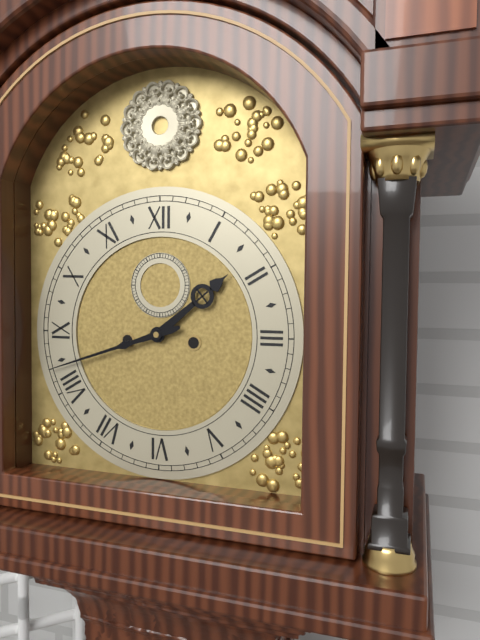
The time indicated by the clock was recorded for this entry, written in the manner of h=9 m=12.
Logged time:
h=1 m=42
